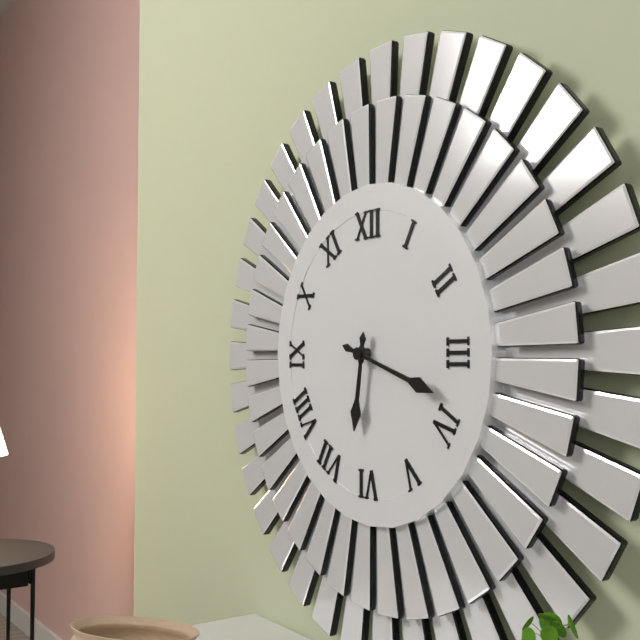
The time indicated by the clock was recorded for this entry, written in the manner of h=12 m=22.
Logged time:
h=6 m=18
